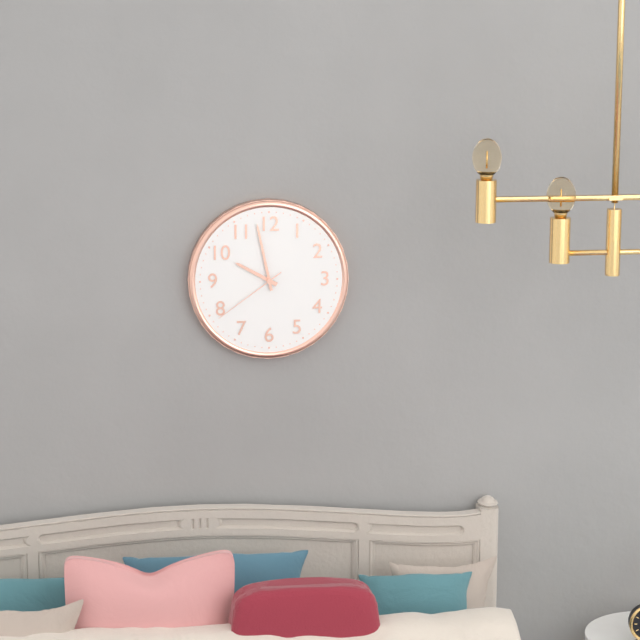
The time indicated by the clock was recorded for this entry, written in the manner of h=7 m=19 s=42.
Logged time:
h=9 m=58 s=39
